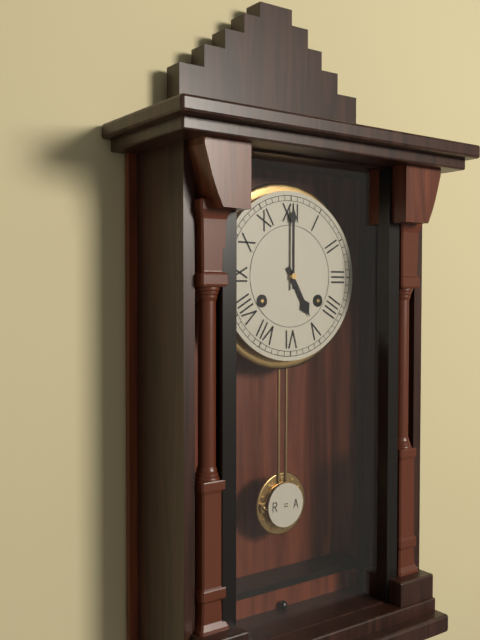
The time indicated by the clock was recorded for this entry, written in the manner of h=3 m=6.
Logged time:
h=5 m=0
